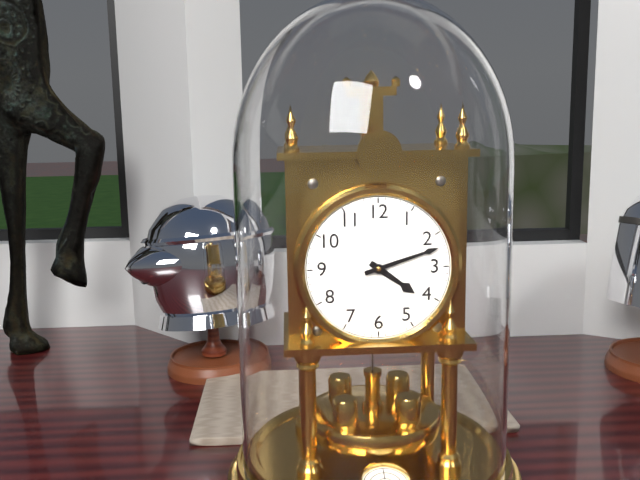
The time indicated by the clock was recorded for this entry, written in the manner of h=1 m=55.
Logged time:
h=4 m=12
